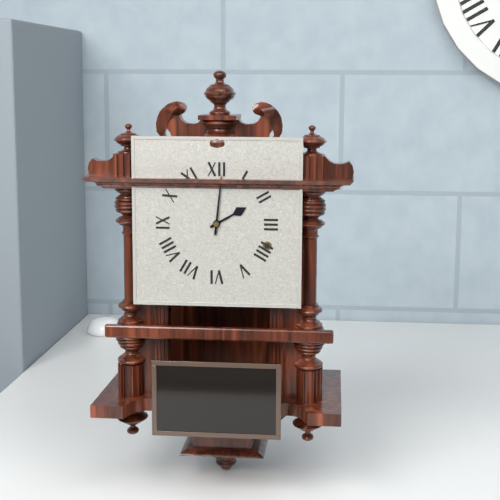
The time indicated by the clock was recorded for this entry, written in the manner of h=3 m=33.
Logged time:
h=2 m=1
